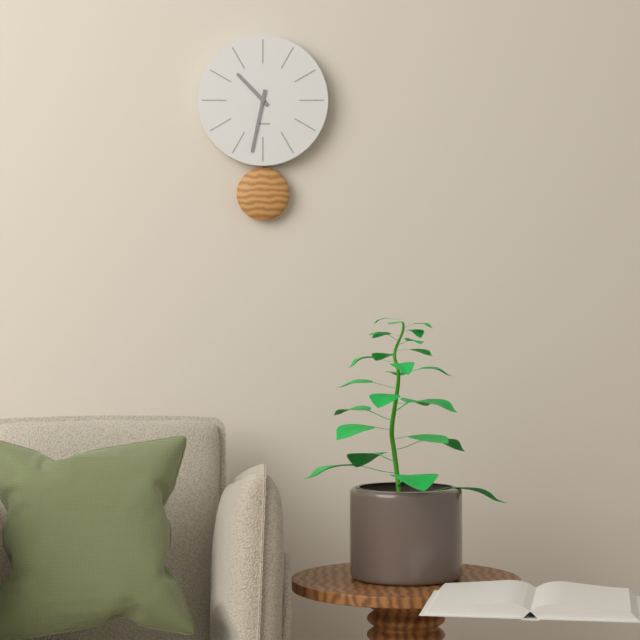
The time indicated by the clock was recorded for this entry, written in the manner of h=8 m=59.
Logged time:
h=10 m=32
